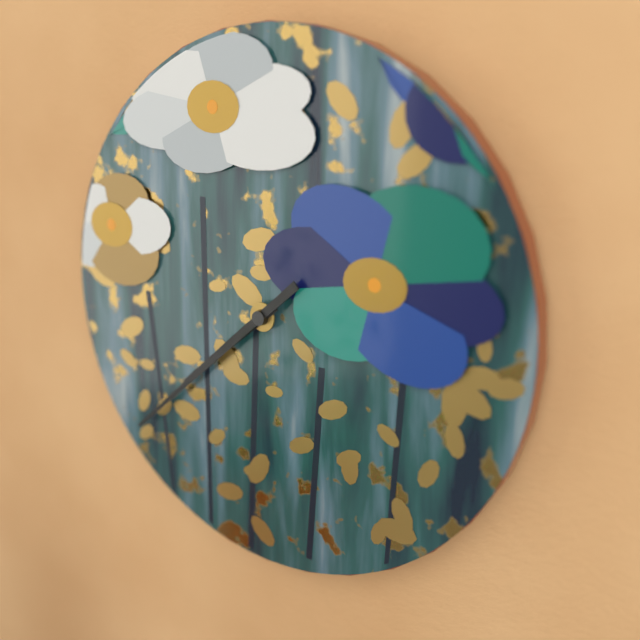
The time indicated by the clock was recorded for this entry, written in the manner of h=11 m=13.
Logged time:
h=7 m=38
